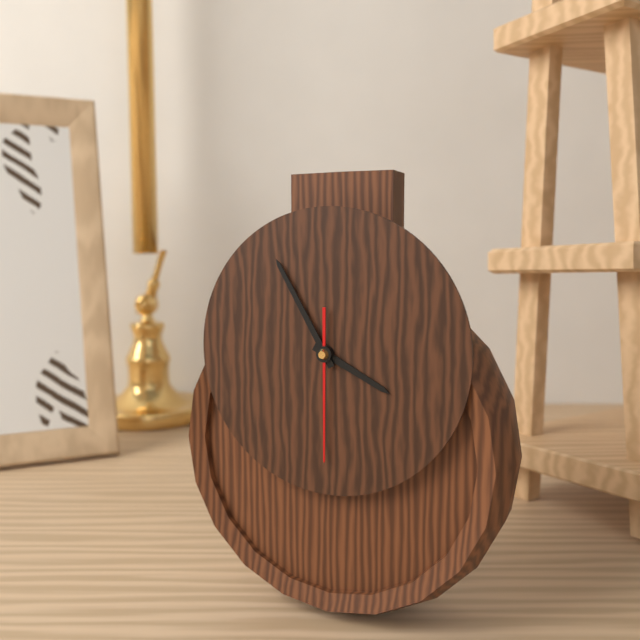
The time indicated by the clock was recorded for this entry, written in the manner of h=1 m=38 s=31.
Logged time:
h=3 m=55 s=30
